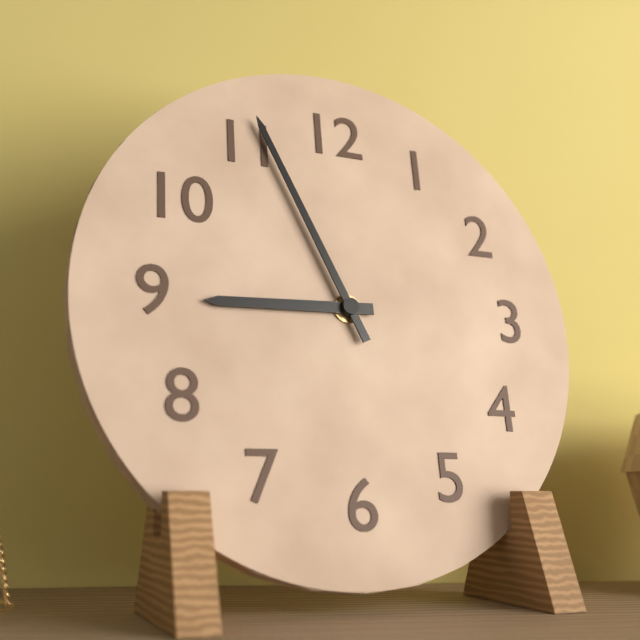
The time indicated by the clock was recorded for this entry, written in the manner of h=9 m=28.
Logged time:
h=8 m=56
